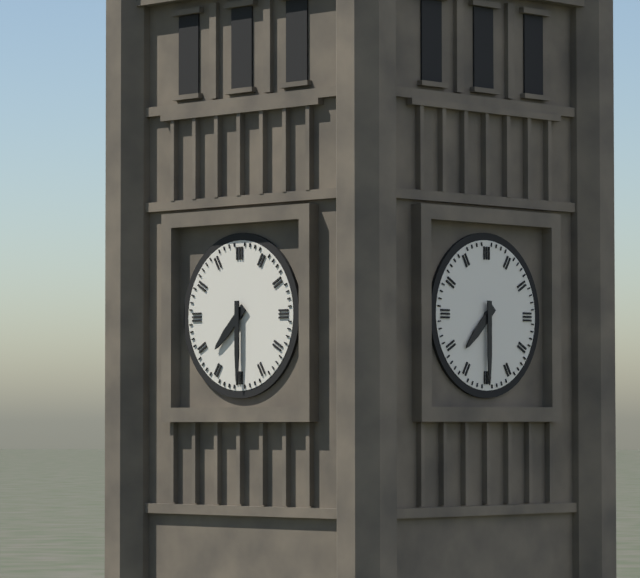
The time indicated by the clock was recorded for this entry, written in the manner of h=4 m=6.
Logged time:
h=7 m=30
